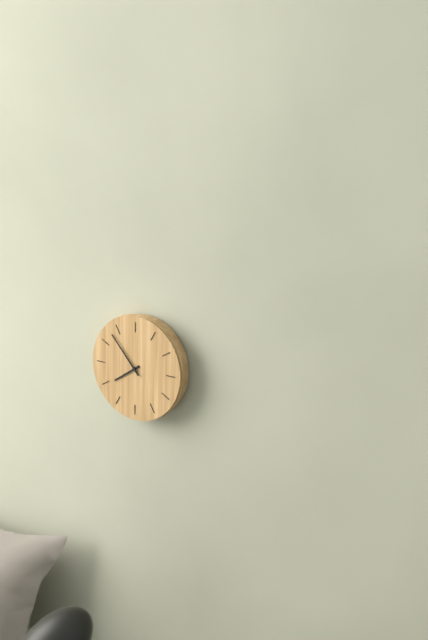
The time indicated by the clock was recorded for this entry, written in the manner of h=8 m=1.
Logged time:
h=7 m=53
